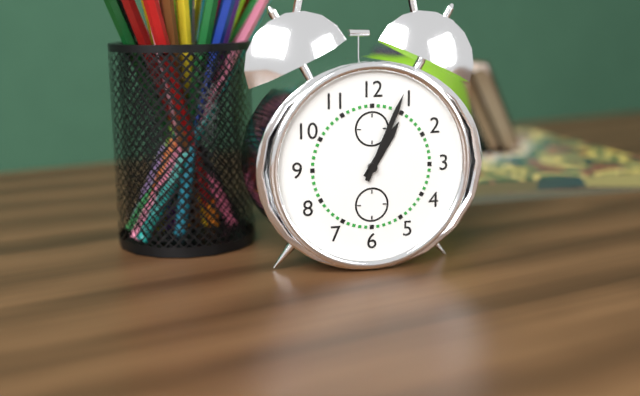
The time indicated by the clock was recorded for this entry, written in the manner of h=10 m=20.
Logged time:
h=1 m=4
